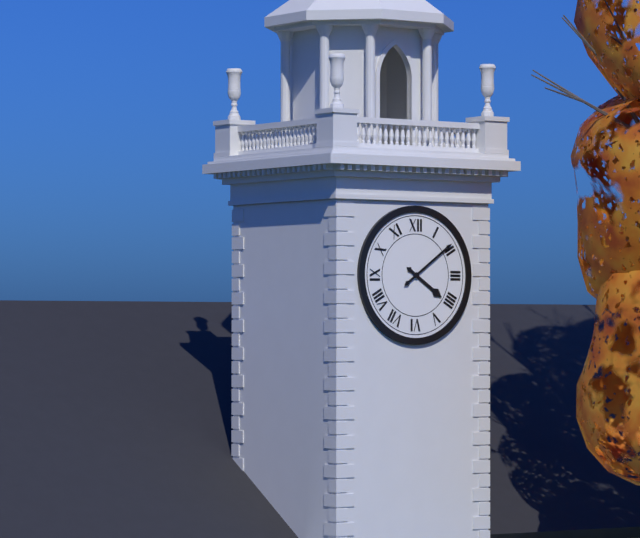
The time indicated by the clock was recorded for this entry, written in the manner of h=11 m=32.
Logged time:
h=4 m=9
